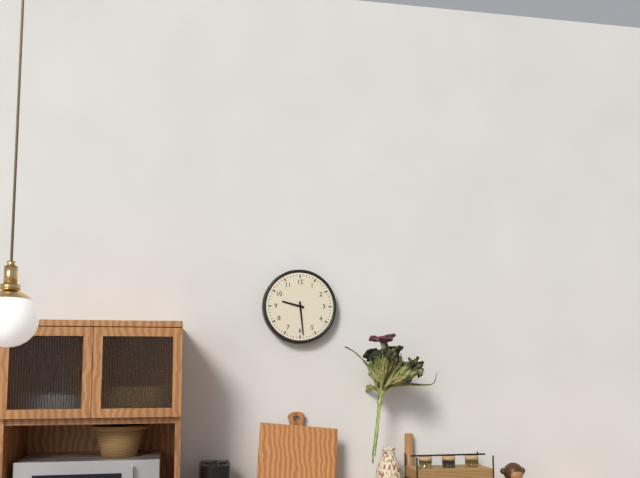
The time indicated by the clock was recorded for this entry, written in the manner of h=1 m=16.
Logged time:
h=9 m=29
